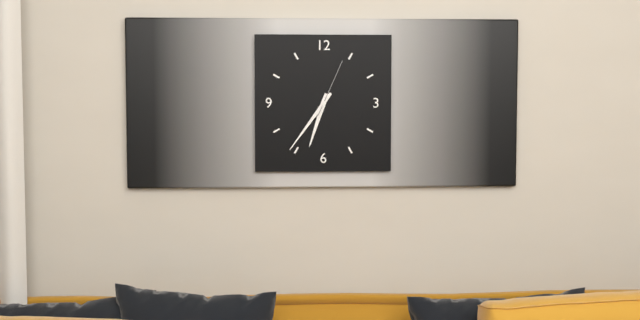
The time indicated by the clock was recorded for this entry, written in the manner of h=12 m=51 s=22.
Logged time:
h=6 m=36 s=4
